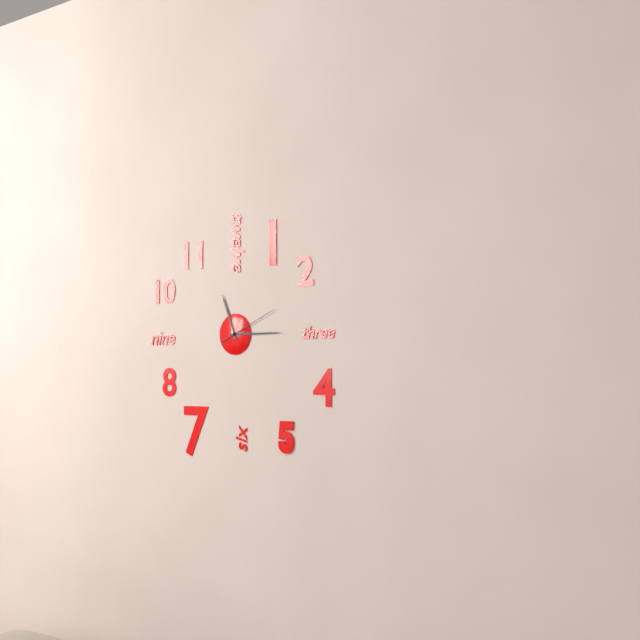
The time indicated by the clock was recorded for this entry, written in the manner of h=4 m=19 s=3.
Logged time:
h=11 m=15 s=11
